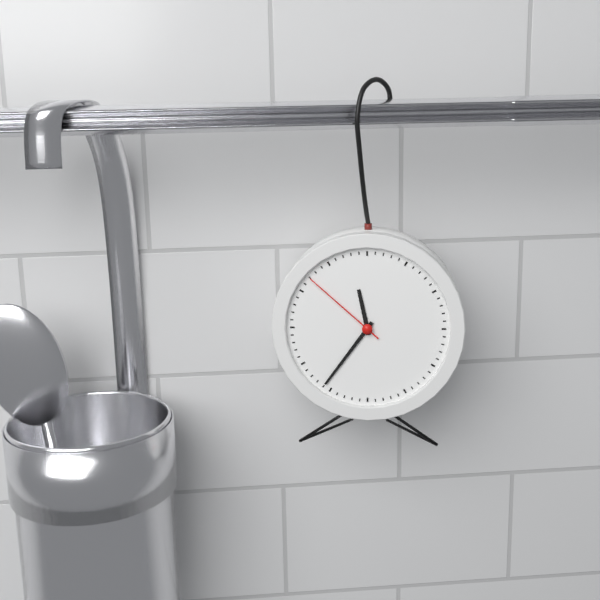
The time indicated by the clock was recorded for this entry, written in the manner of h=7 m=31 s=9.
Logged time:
h=11 m=36 s=52
